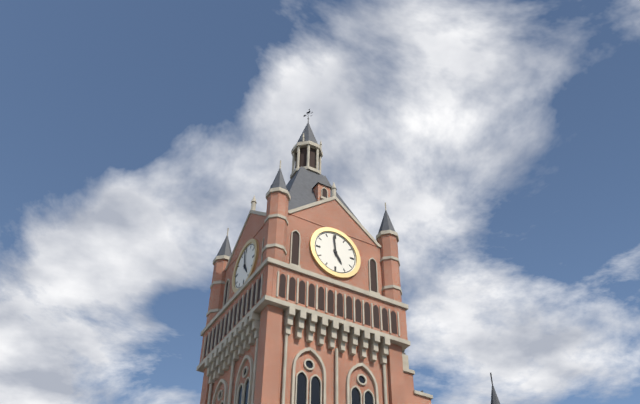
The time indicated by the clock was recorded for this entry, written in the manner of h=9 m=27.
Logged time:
h=4 m=59
